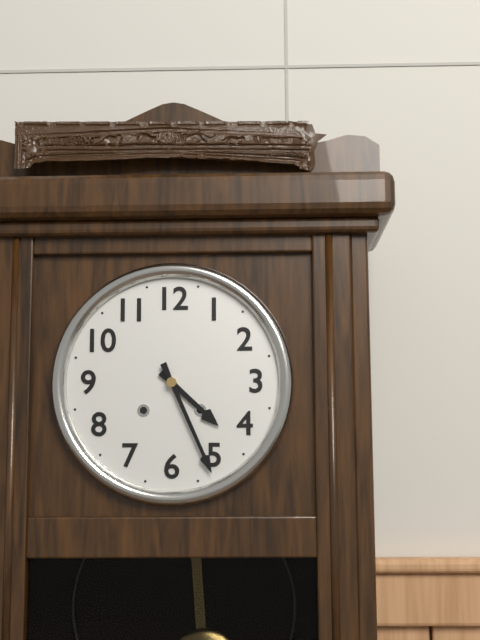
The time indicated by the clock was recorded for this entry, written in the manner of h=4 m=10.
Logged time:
h=4 m=26
